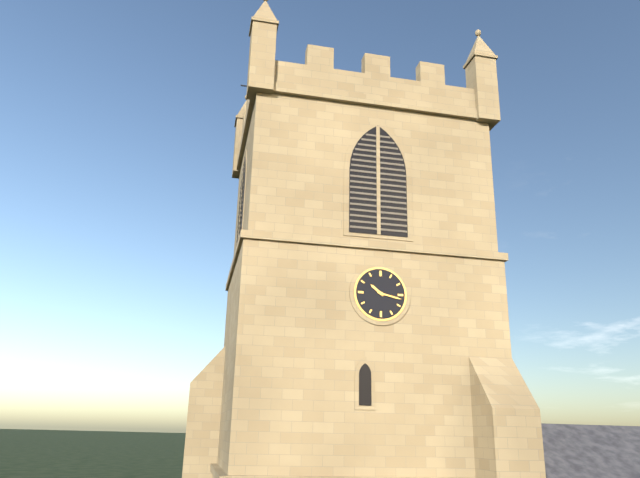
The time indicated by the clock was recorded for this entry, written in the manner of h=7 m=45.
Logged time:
h=10 m=17
